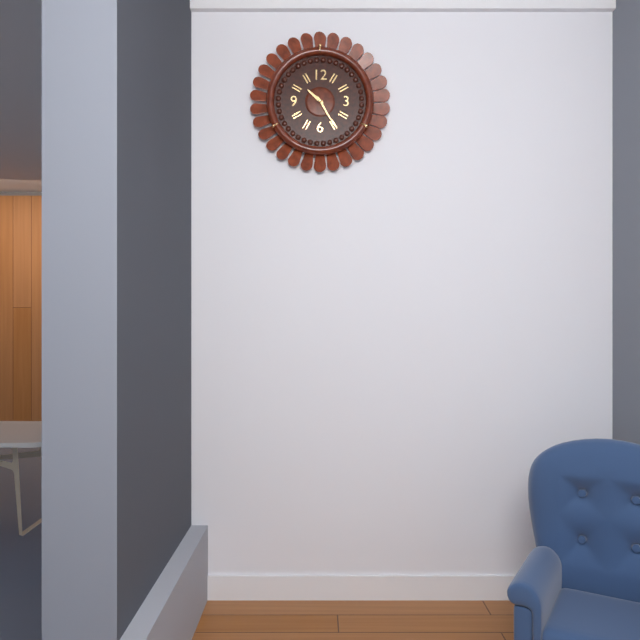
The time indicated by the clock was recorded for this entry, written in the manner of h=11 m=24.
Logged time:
h=10 m=25
